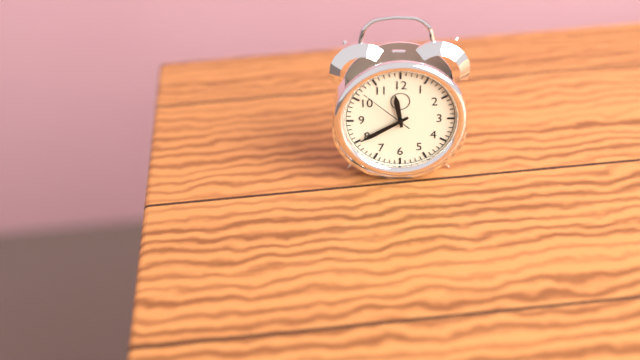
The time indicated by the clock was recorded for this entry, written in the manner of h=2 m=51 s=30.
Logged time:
h=11 m=40 s=52
